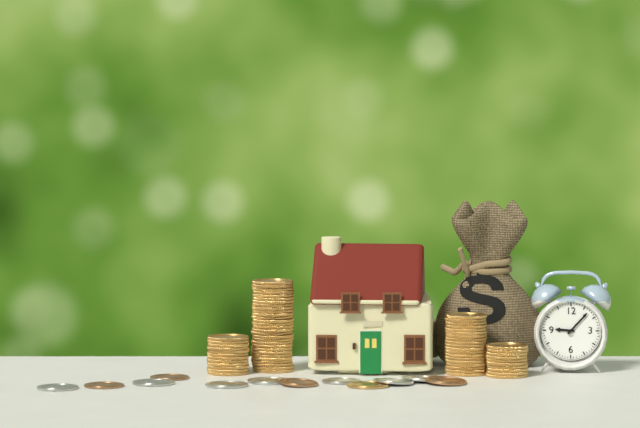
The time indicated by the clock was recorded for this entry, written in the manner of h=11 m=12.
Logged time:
h=9 m=7
